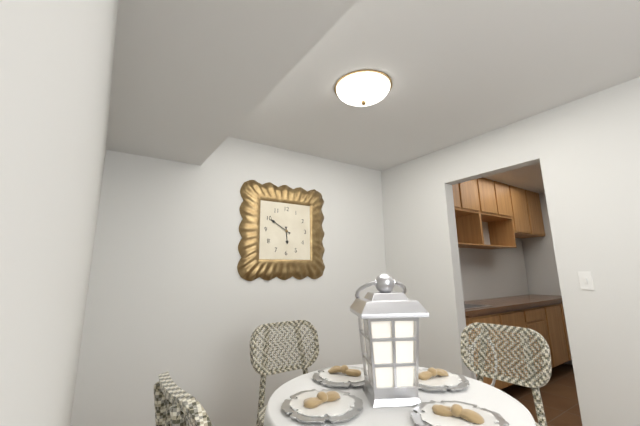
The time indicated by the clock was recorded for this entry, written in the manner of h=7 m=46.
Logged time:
h=5 m=50
